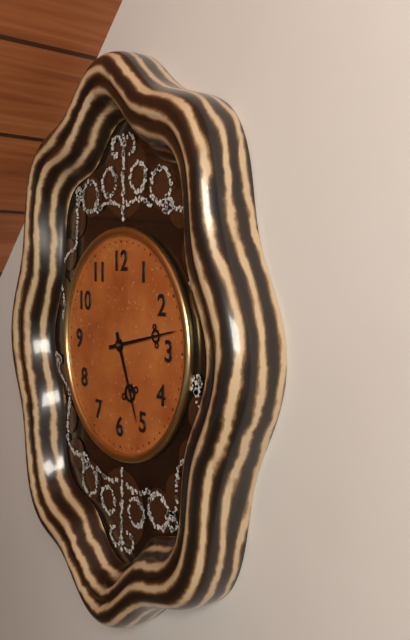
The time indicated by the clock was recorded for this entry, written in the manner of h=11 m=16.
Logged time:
h=5 m=13
